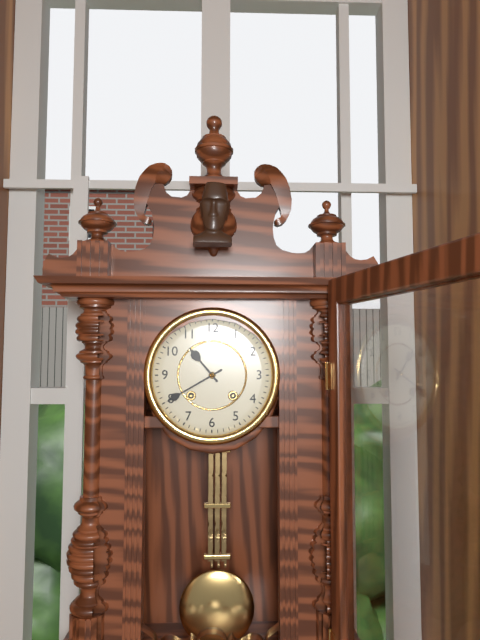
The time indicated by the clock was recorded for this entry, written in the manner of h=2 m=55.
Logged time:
h=10 m=40
